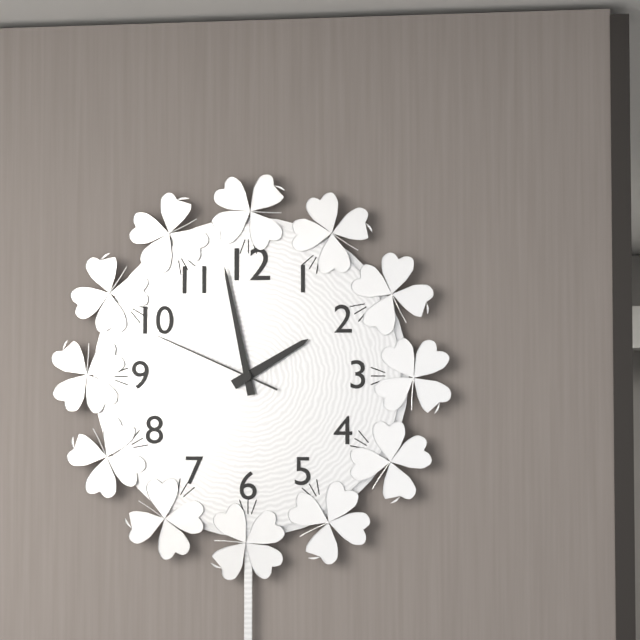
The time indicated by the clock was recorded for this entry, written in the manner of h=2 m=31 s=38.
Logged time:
h=1 m=58 s=49
